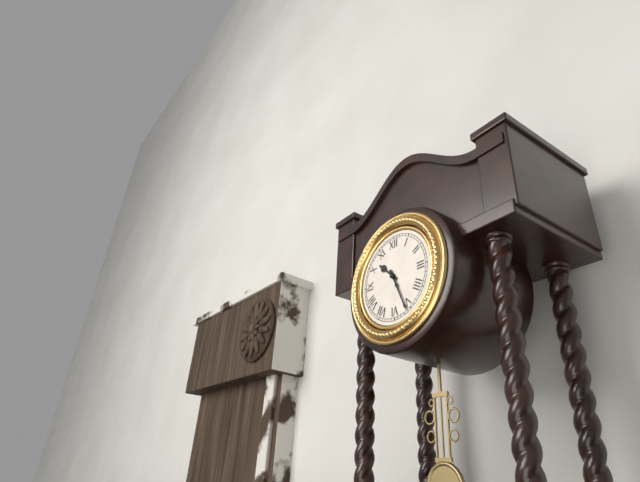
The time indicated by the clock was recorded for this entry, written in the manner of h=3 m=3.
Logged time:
h=10 m=26
